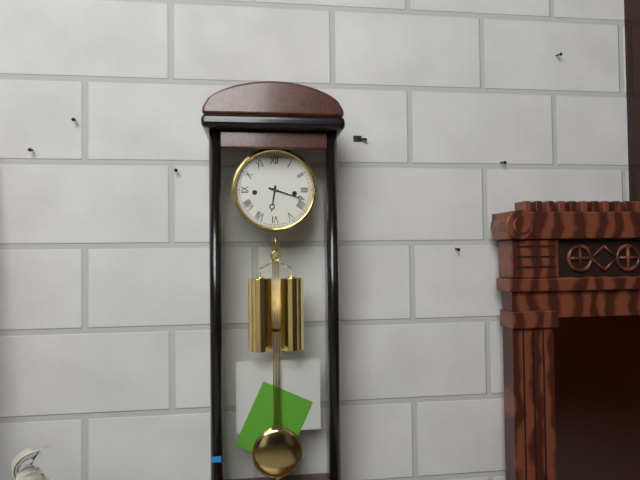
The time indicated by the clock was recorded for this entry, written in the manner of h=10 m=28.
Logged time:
h=6 m=18
